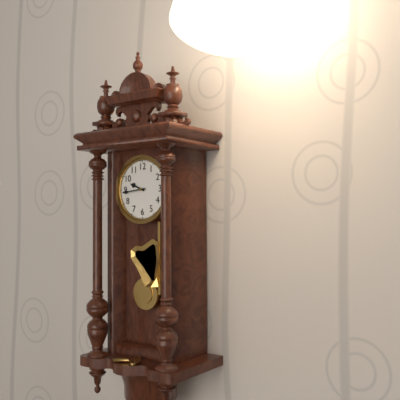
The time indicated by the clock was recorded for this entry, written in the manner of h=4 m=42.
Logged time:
h=9 m=44
